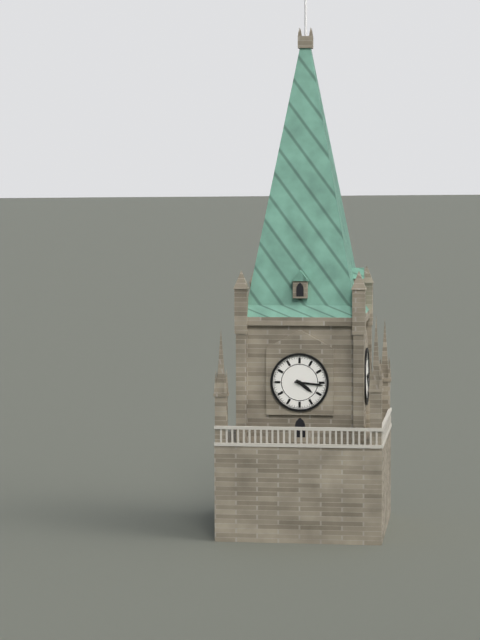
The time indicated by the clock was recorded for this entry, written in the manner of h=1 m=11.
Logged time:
h=4 m=16
